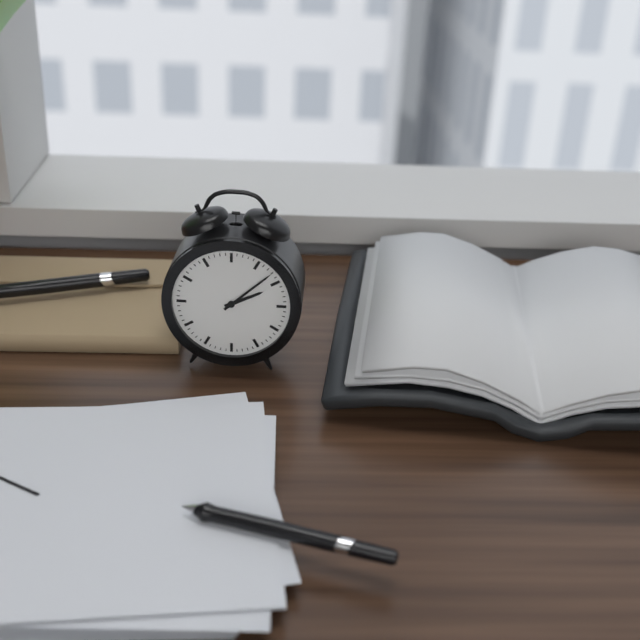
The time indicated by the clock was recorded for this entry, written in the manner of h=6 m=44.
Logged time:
h=2 m=8
